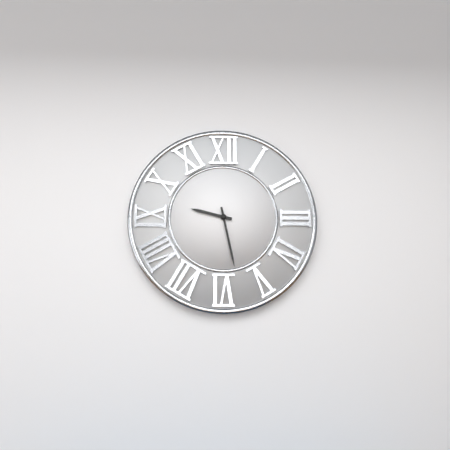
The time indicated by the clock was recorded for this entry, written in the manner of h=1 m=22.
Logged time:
h=9 m=28
